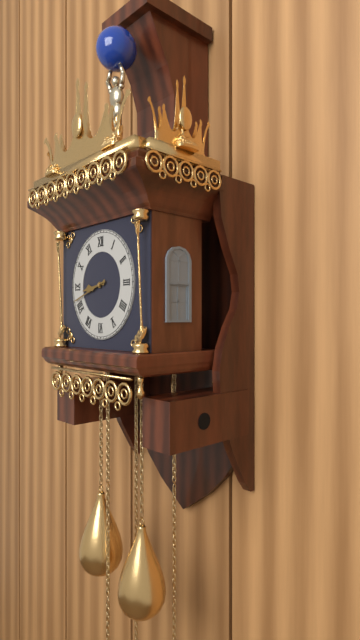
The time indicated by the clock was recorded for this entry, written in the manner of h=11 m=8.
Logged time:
h=8 m=42
